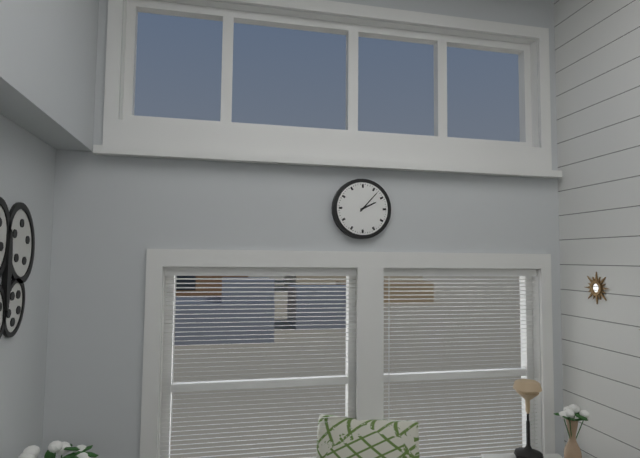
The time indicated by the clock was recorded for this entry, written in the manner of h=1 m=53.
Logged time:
h=2 m=7
